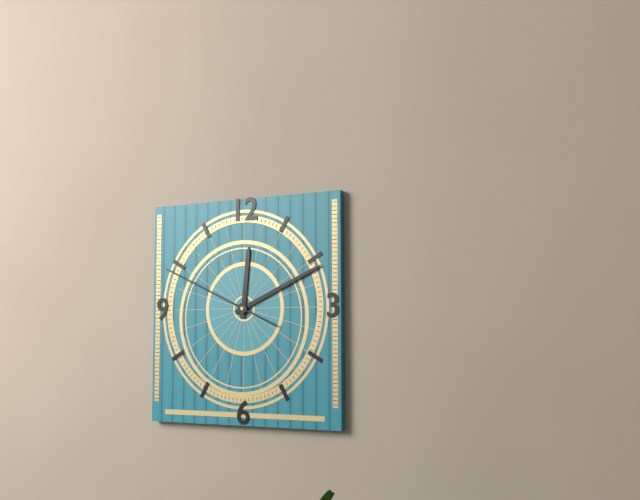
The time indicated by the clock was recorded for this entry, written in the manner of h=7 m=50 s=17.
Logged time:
h=12 m=11 s=49
